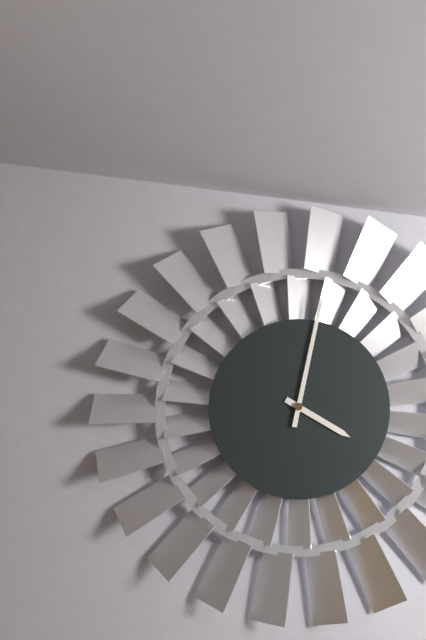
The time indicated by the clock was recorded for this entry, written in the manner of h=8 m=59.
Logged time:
h=4 m=2
